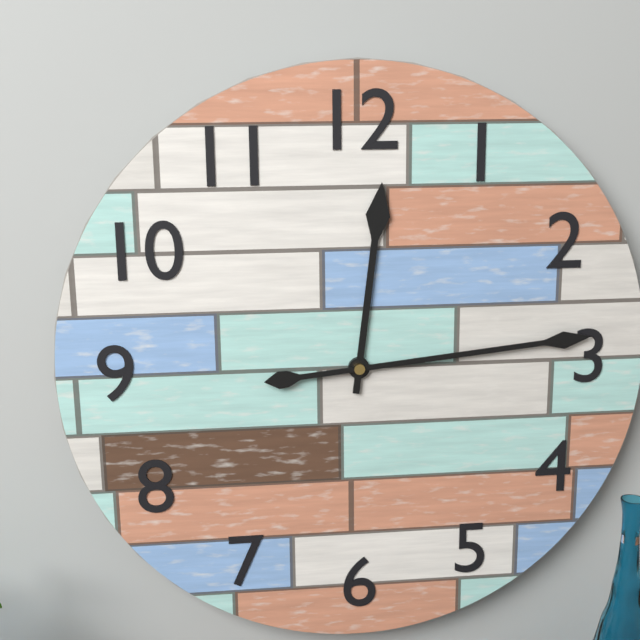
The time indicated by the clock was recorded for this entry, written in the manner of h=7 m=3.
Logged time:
h=12 m=14
